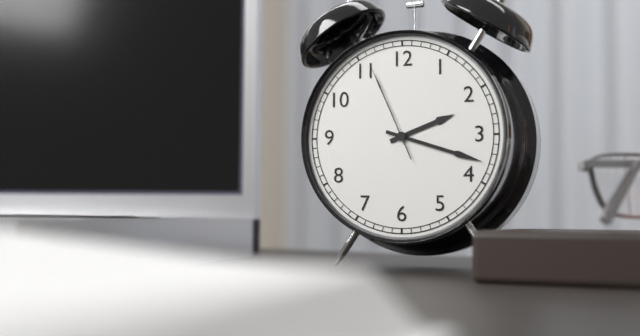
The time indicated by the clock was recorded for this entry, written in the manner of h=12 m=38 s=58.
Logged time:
h=2 m=18 s=56
